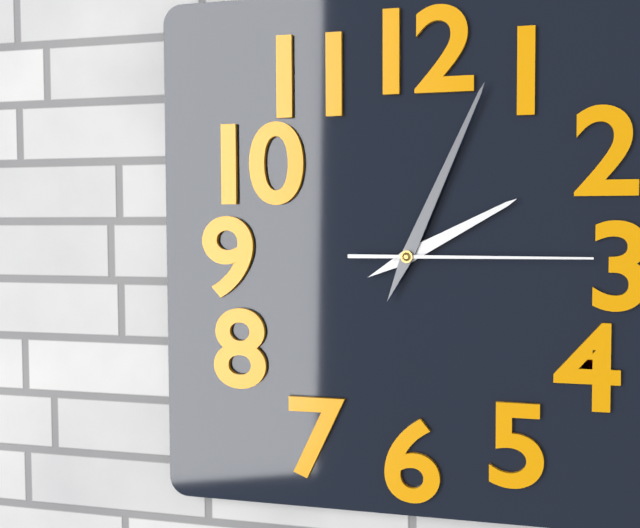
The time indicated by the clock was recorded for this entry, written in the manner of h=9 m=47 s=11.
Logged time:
h=2 m=4 s=15
